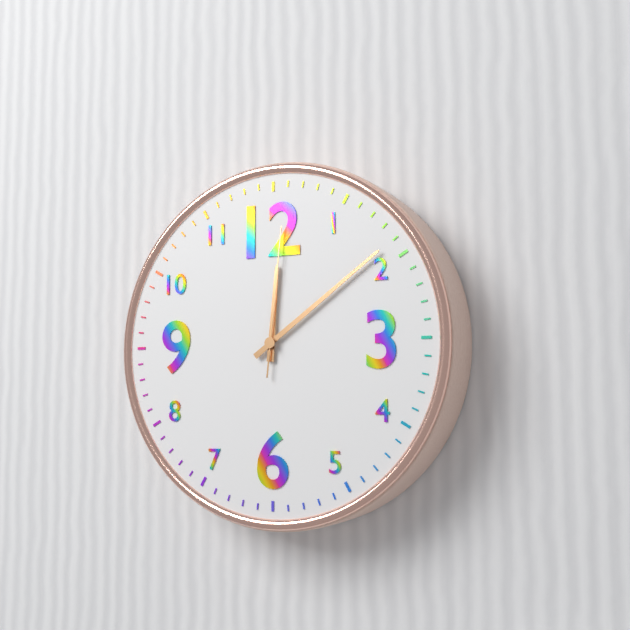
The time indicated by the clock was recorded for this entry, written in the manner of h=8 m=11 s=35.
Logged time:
h=12 m=9 s=1
